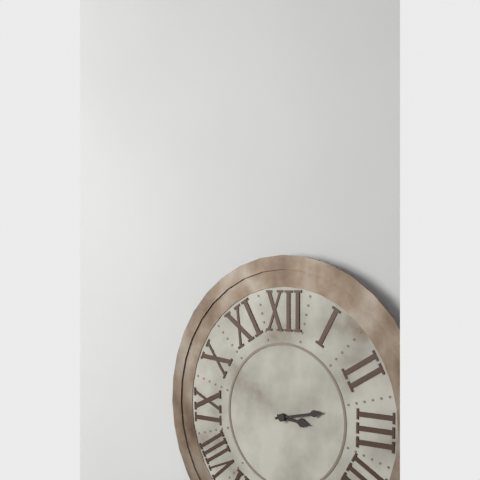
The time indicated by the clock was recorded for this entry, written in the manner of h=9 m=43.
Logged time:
h=3 m=13
